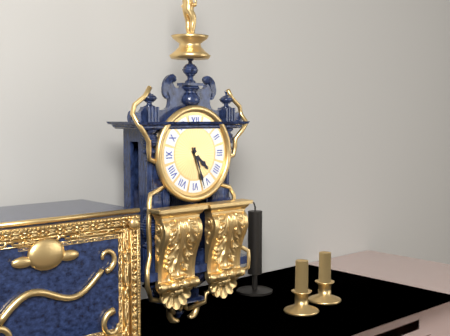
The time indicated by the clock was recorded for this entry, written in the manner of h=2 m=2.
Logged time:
h=4 m=27
